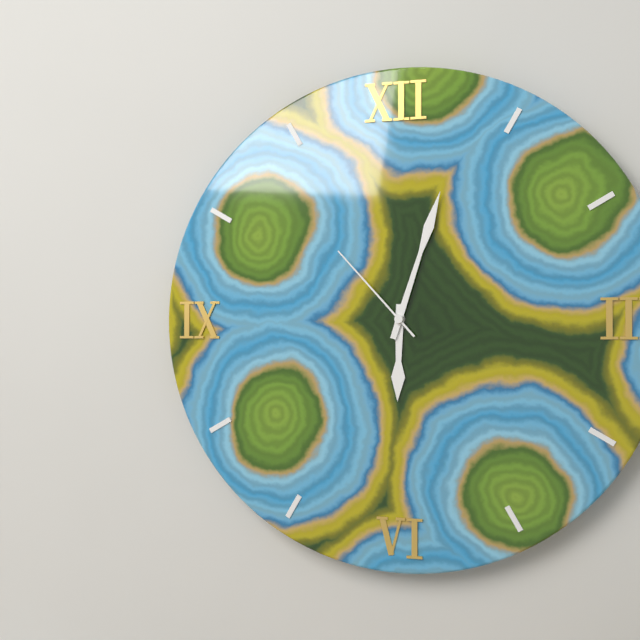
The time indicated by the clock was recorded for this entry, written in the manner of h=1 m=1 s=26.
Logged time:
h=6 m=3 s=53
